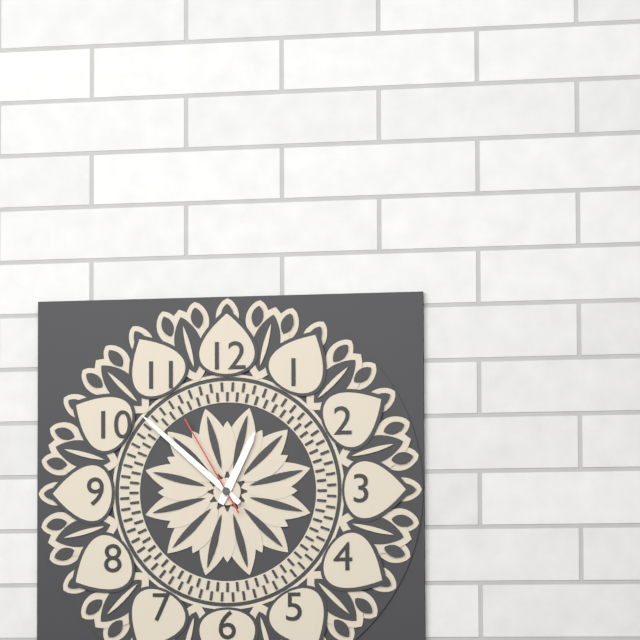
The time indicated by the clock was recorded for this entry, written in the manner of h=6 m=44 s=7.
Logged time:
h=12 m=52 s=55
